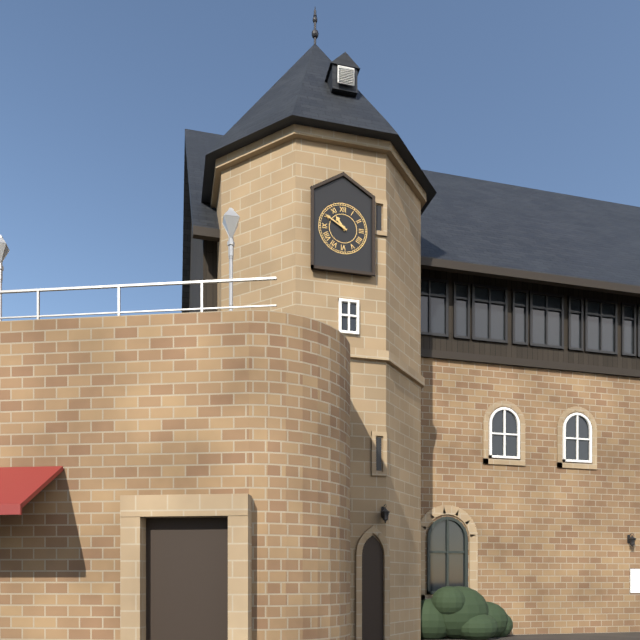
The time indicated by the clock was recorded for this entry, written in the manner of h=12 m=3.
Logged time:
h=10 m=50
